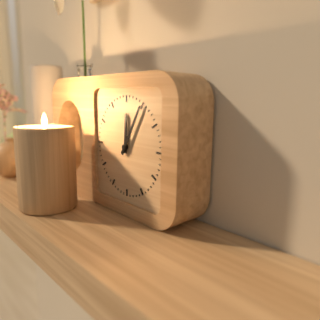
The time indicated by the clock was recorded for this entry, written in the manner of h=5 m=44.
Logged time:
h=12 m=5
